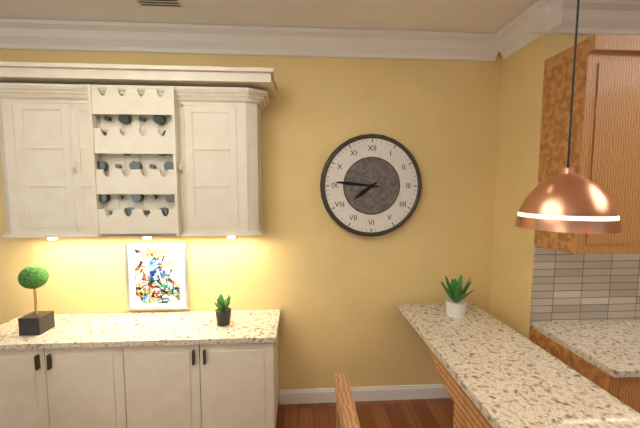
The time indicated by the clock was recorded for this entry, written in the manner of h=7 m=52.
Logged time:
h=7 m=46
